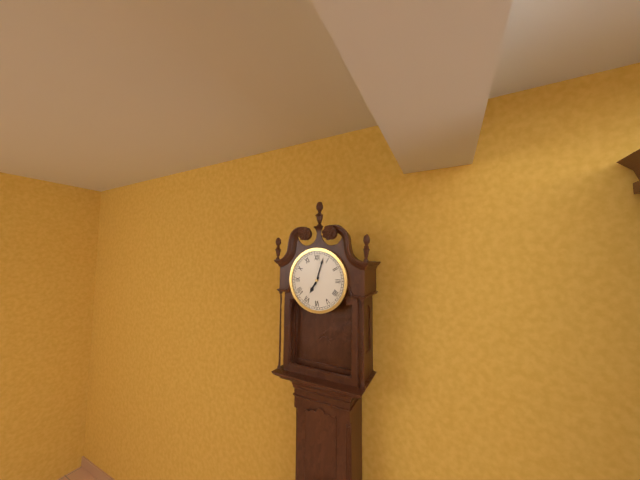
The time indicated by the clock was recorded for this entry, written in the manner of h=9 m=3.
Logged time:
h=7 m=3
